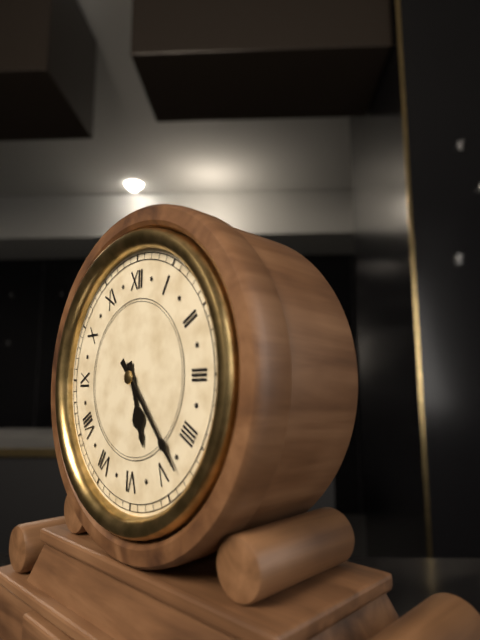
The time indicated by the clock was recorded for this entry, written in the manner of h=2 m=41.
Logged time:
h=5 m=23
